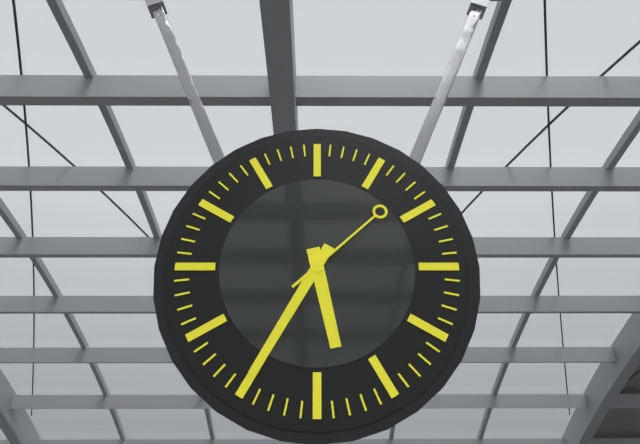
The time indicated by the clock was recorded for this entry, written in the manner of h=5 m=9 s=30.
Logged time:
h=5 m=35 s=8
